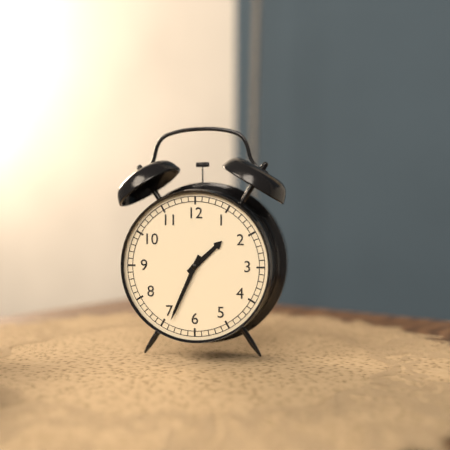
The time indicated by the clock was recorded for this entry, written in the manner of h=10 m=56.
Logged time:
h=1 m=34
